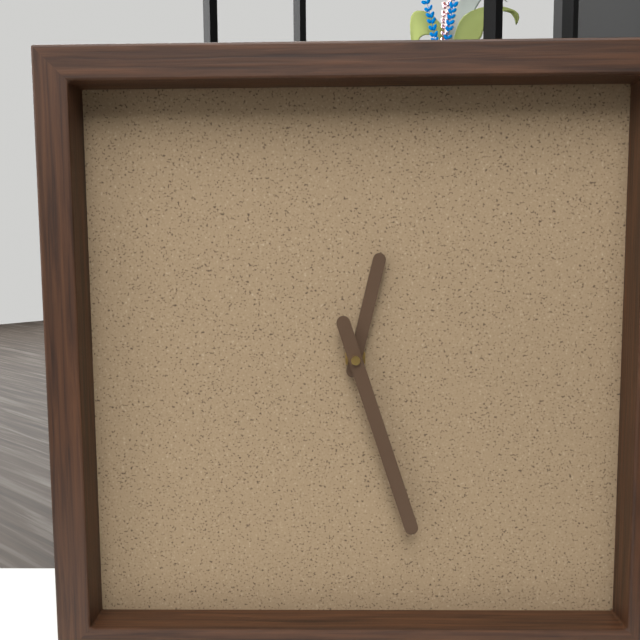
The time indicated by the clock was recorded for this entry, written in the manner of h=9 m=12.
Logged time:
h=12 m=27
